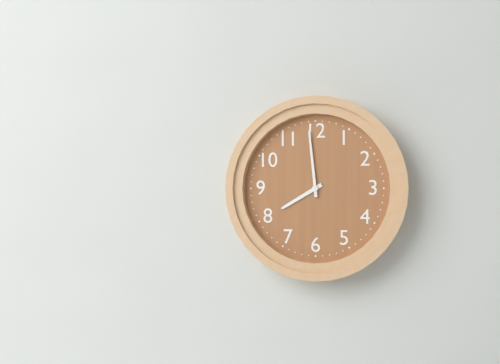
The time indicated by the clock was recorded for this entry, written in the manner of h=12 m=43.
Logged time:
h=7 m=59
